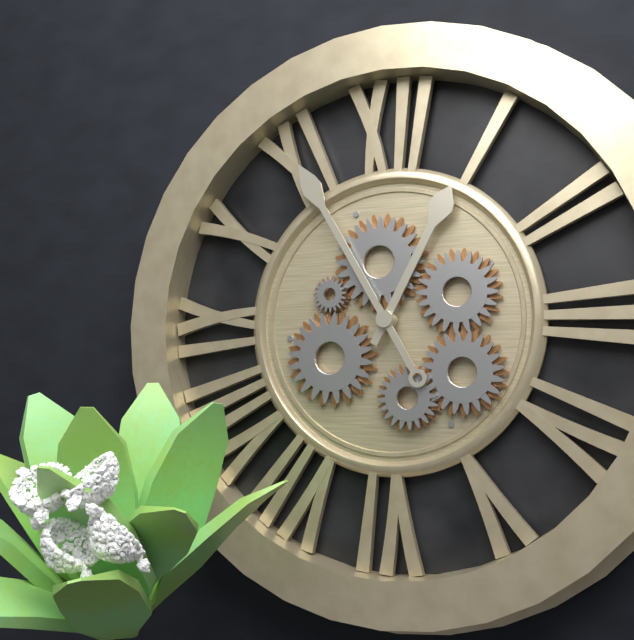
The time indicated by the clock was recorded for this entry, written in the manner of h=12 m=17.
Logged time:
h=12 m=55
